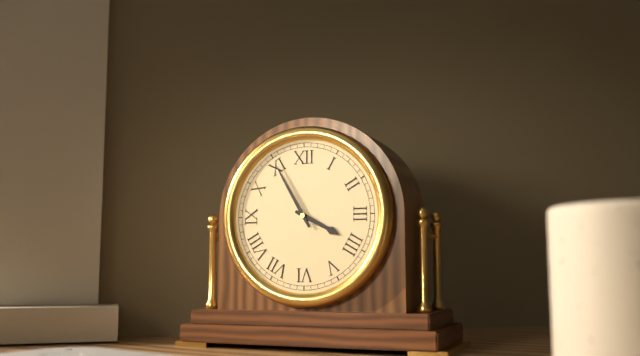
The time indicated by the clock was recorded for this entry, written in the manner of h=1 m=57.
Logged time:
h=3 m=55
